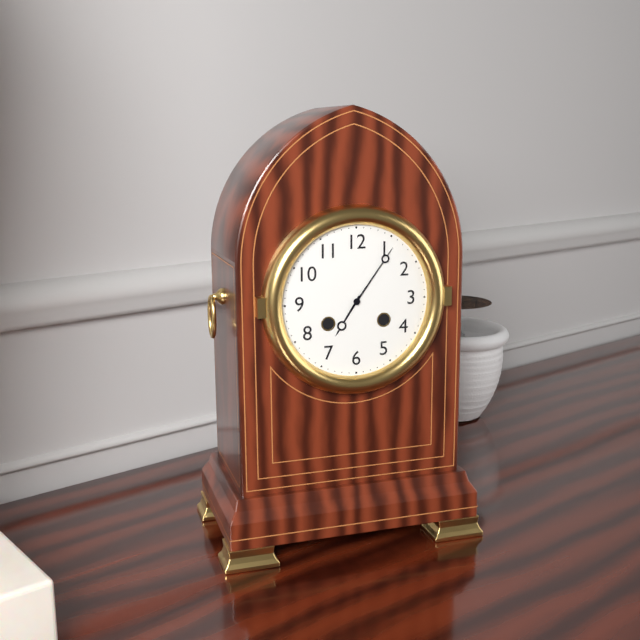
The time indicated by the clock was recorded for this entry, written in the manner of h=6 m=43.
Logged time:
h=7 m=6
